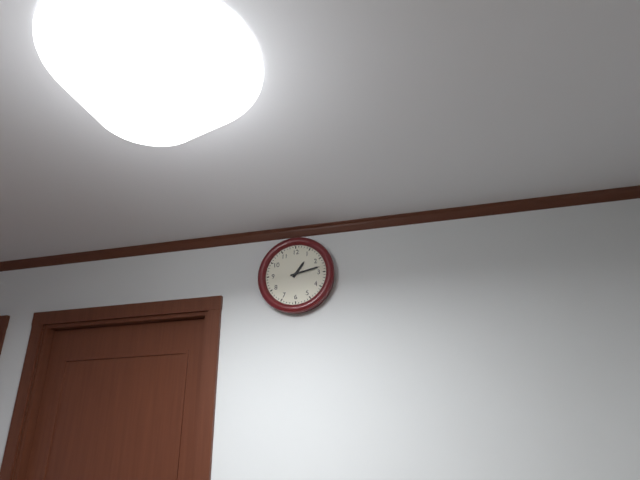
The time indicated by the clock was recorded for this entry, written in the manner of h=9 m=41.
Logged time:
h=1 m=13
